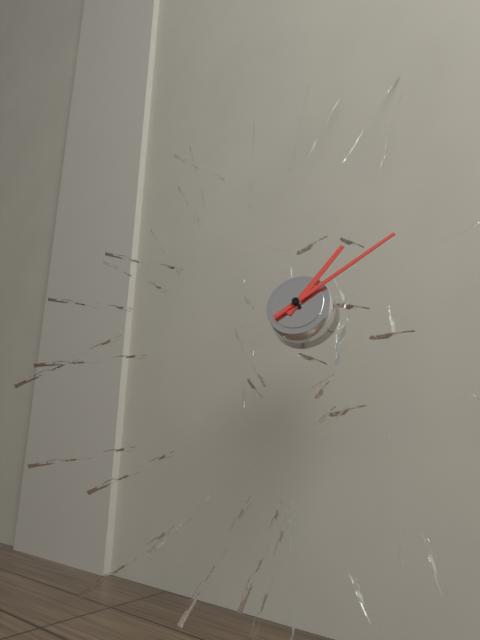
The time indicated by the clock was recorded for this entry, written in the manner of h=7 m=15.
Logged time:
h=1 m=9
